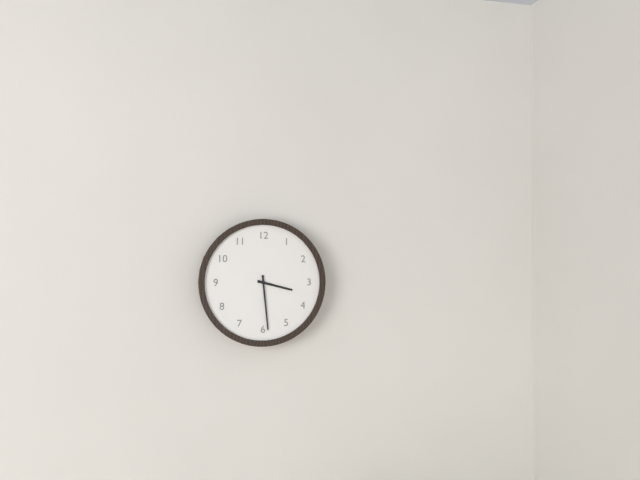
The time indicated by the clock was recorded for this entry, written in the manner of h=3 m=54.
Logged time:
h=3 m=29
